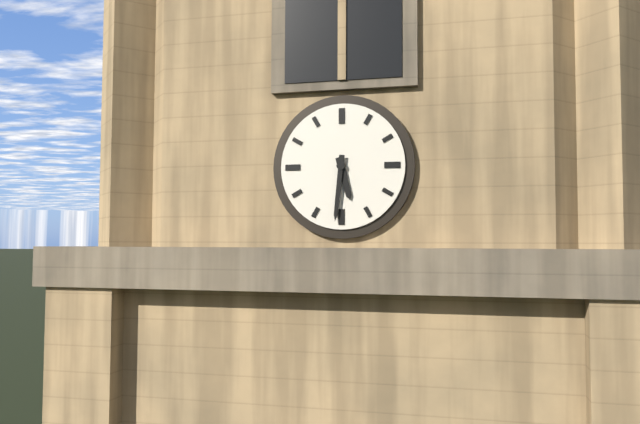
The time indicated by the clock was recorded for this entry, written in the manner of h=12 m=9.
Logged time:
h=5 m=31
